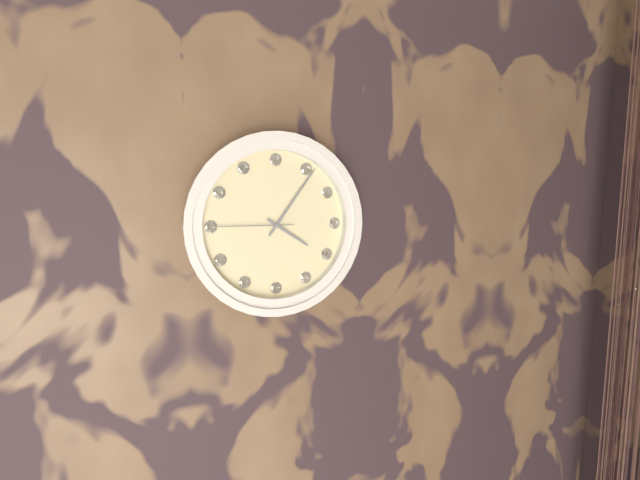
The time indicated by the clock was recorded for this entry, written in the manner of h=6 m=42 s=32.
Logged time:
h=4 m=6 s=45
